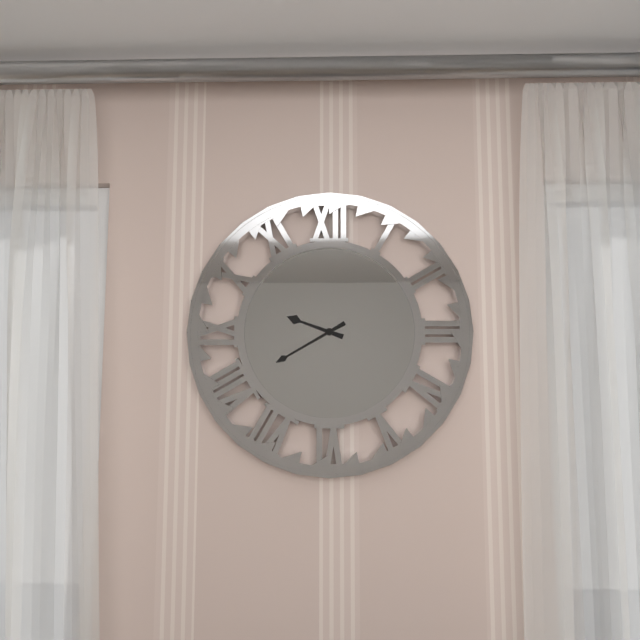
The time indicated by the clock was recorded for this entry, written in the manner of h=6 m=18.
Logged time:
h=9 m=40
